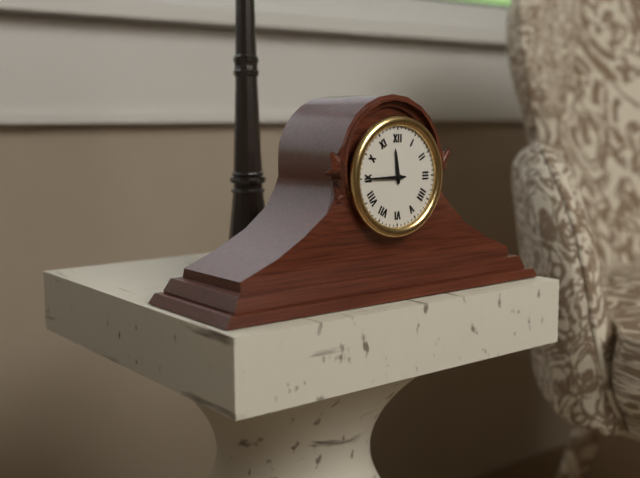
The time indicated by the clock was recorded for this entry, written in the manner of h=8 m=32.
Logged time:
h=11 m=45
